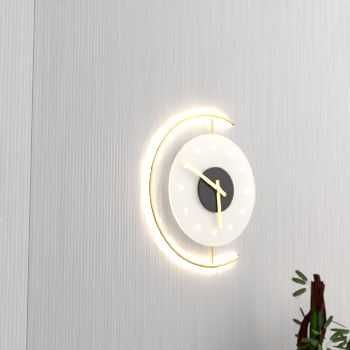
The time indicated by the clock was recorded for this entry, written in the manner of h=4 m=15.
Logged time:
h=5 m=50
